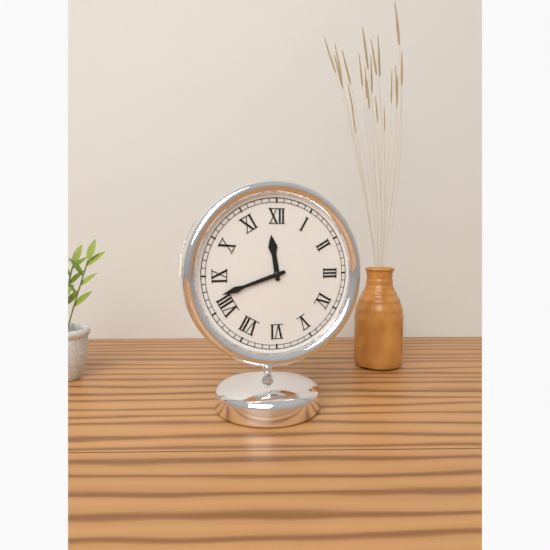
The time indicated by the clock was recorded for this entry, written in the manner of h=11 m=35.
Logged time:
h=11 m=42
